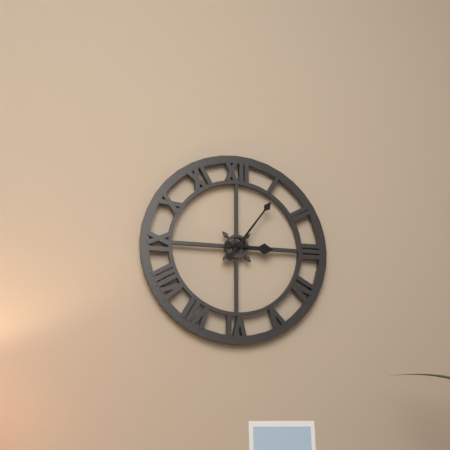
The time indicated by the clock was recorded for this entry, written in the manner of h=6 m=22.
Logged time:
h=3 m=6
